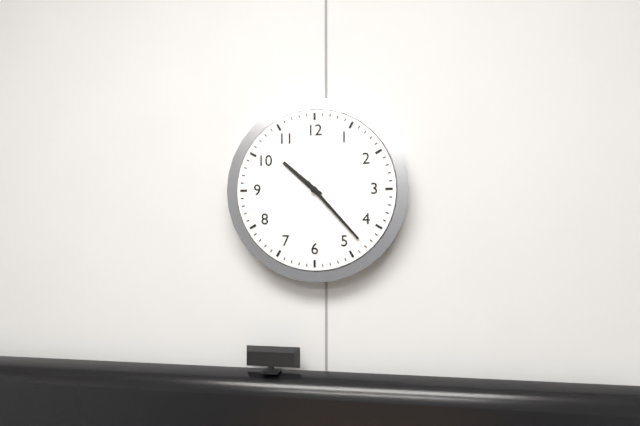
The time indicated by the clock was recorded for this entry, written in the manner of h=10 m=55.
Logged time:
h=10 m=23
